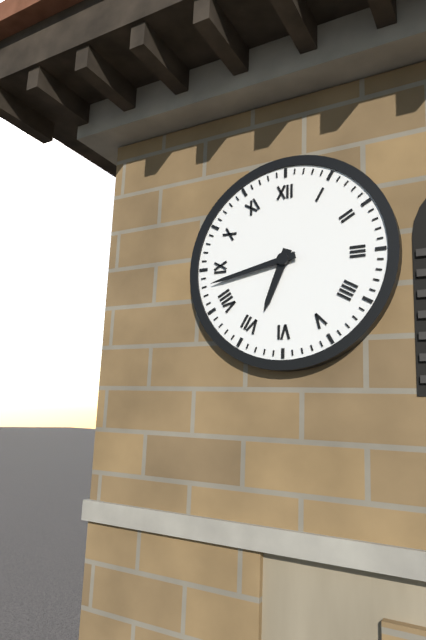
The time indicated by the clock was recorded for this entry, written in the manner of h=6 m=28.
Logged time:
h=6 m=43
